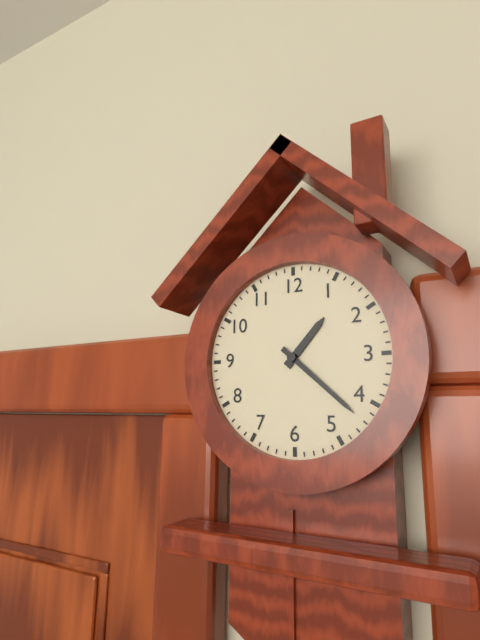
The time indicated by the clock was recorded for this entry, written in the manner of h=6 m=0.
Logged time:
h=1 m=22
